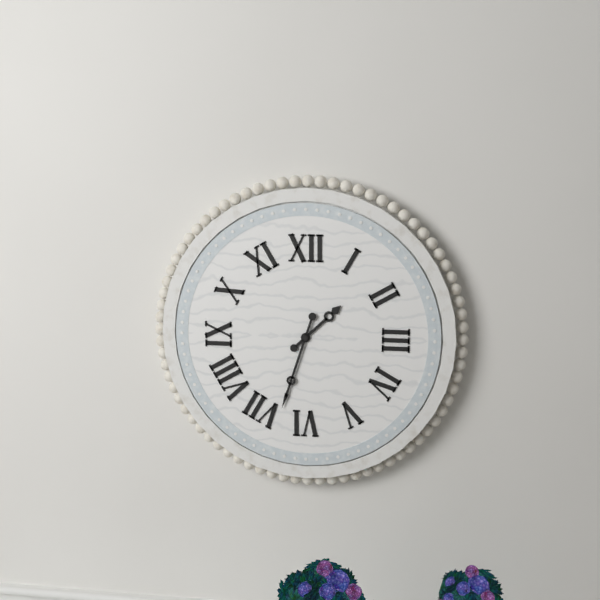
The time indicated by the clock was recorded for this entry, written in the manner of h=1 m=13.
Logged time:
h=1 m=33
